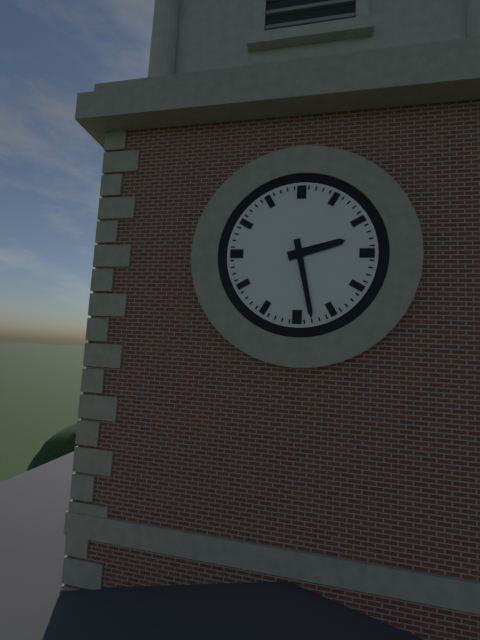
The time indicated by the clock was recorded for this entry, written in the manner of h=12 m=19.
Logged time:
h=2 m=28
